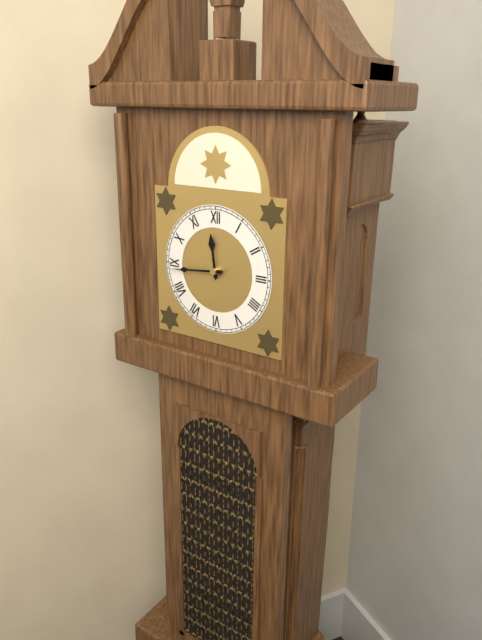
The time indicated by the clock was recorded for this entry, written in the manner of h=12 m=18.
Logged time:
h=11 m=44
